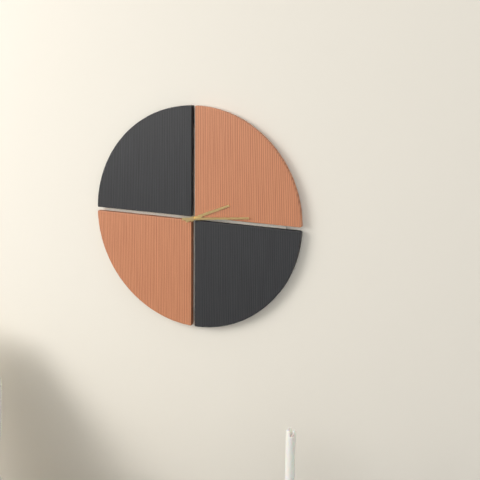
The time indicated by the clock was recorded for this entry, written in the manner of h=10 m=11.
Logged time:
h=2 m=14
